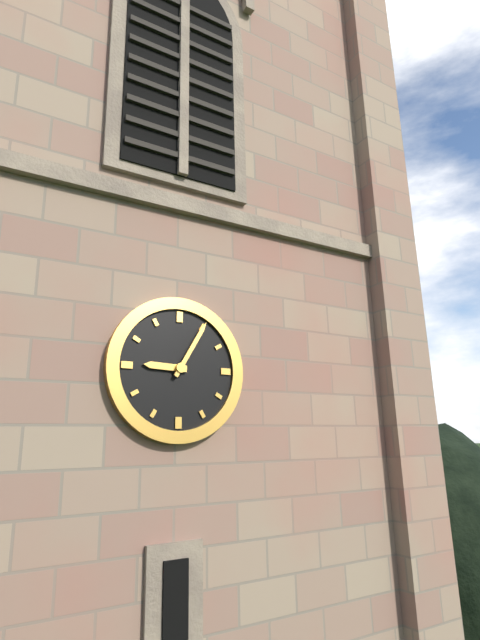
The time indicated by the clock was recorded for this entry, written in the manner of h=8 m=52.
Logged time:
h=9 m=5
